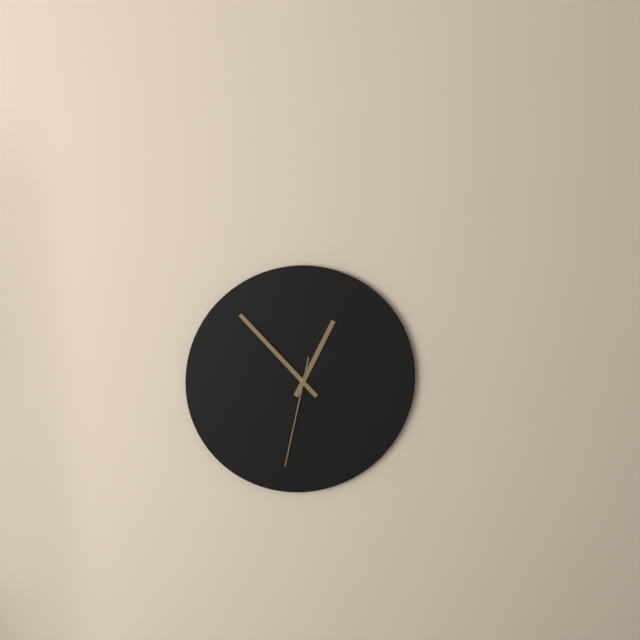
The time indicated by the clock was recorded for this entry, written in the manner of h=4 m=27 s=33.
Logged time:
h=12 m=53 s=32
